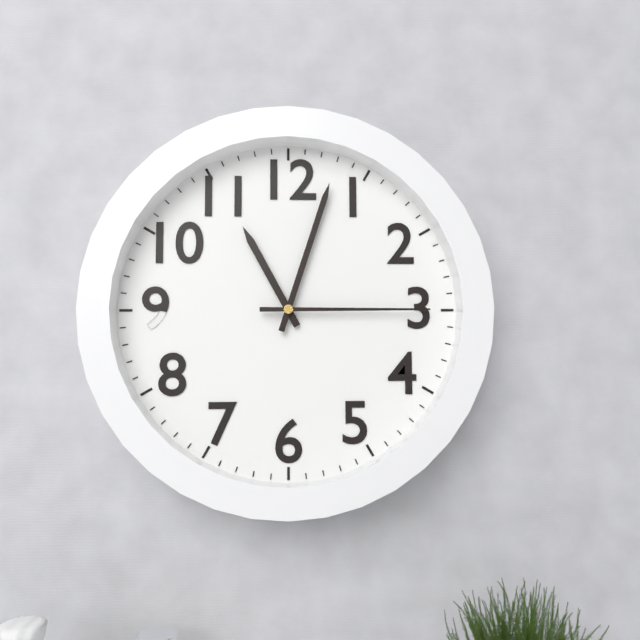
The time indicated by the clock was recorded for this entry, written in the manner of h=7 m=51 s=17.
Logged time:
h=11 m=3 s=15
